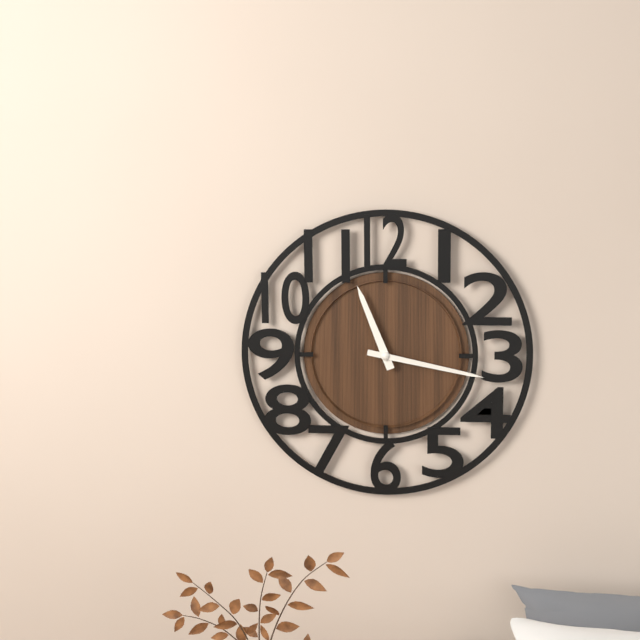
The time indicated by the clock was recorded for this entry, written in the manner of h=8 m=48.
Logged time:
h=11 m=17
